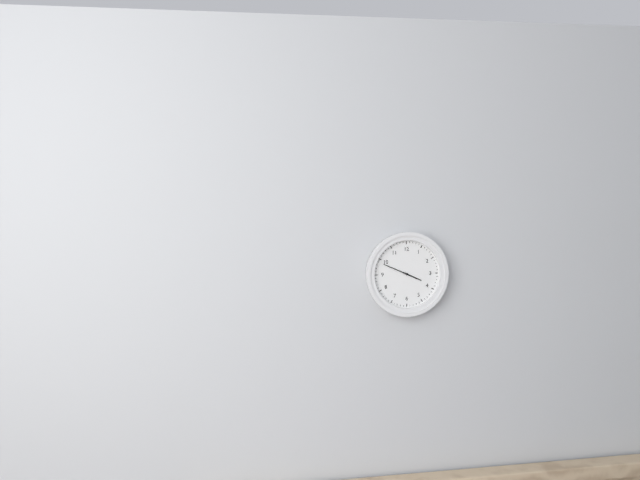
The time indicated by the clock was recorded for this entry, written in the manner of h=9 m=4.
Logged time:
h=3 m=49
